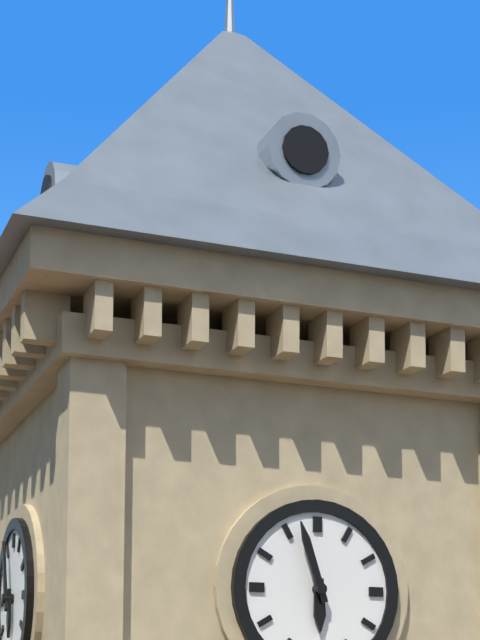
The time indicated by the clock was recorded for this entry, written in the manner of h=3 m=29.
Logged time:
h=5 m=57
